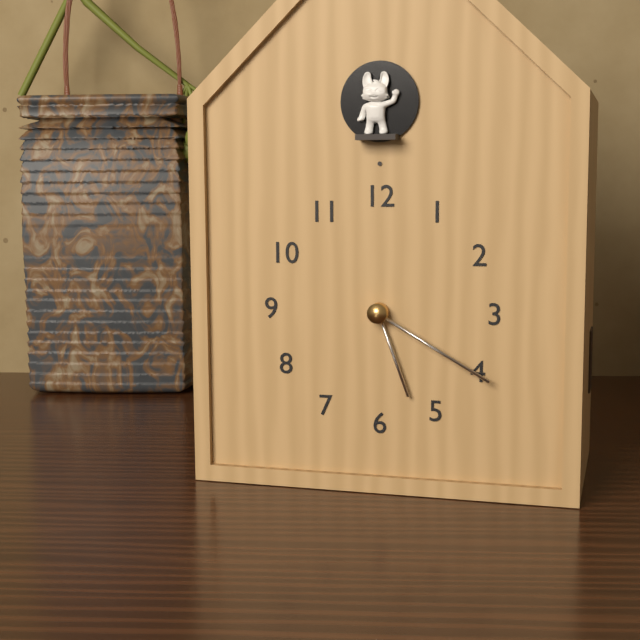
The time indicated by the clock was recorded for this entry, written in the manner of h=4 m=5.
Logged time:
h=5 m=20
